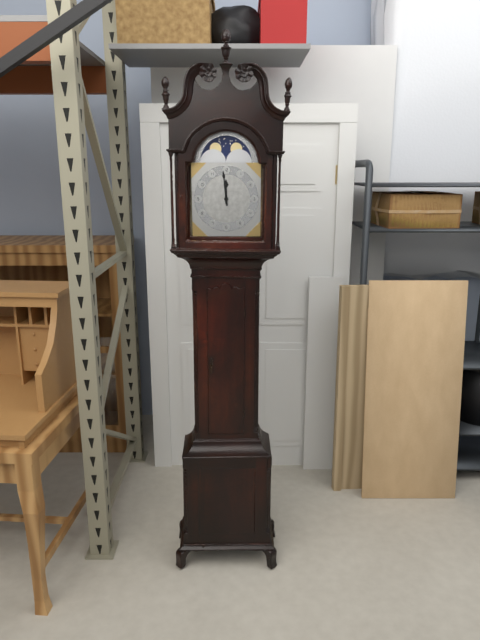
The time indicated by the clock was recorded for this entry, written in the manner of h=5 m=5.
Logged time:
h=11 m=59
